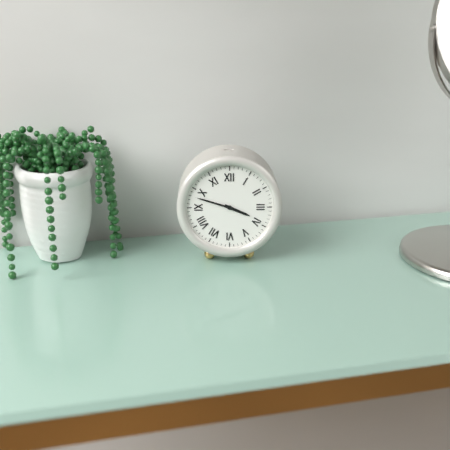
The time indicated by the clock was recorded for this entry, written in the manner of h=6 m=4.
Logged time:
h=3 m=48
